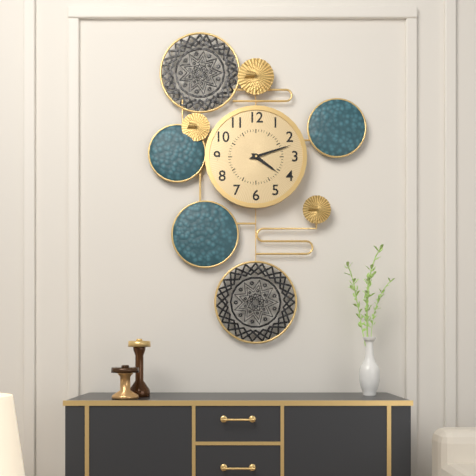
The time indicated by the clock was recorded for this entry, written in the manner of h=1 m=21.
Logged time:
h=4 m=12
